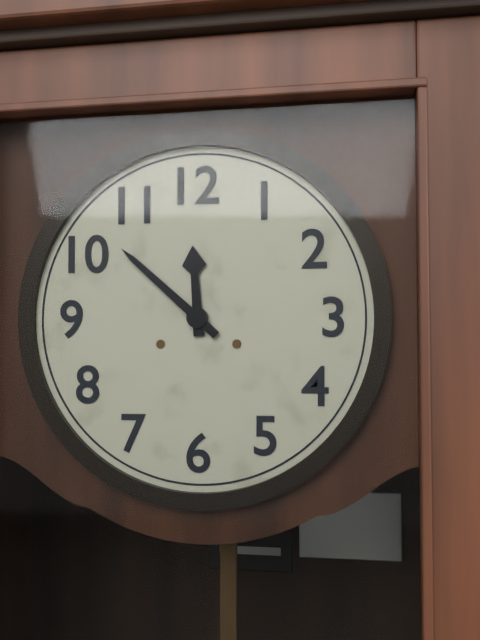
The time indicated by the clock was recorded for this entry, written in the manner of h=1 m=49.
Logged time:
h=11 m=52
